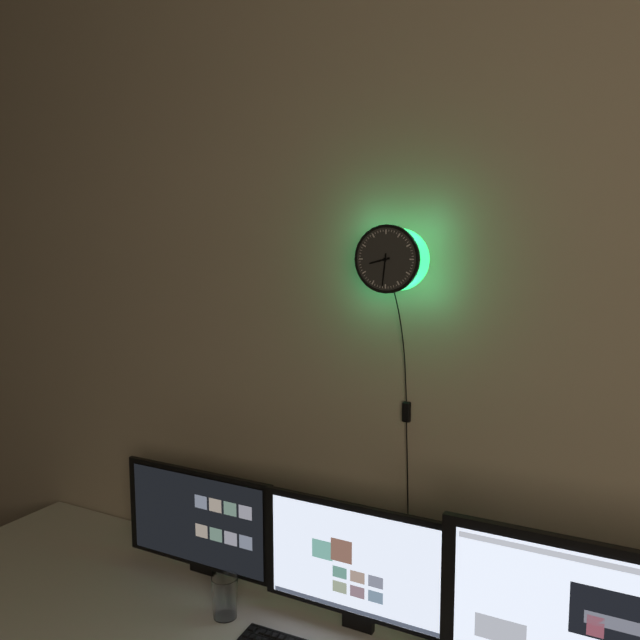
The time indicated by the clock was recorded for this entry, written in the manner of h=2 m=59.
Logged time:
h=8 m=31
